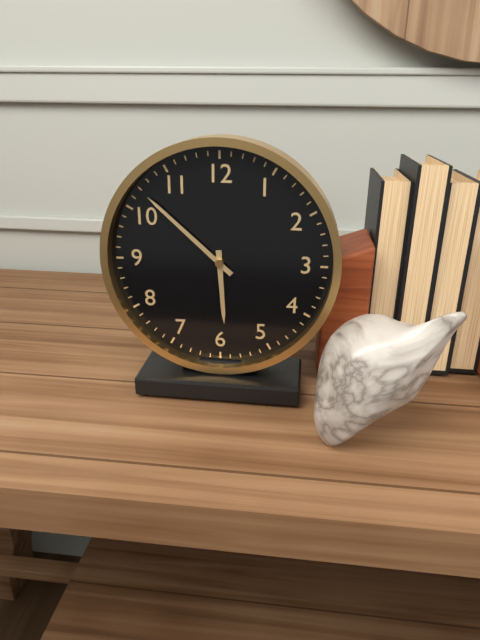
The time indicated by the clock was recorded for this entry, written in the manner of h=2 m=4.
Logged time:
h=5 m=52
